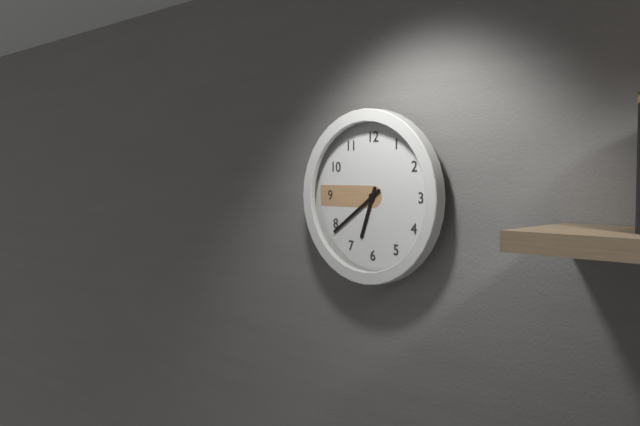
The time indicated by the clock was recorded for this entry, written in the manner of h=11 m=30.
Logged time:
h=6 m=39
